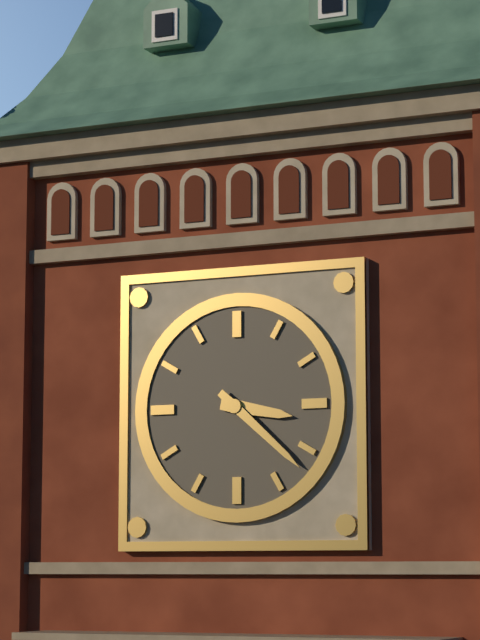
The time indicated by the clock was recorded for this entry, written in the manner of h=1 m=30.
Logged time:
h=3 m=22
